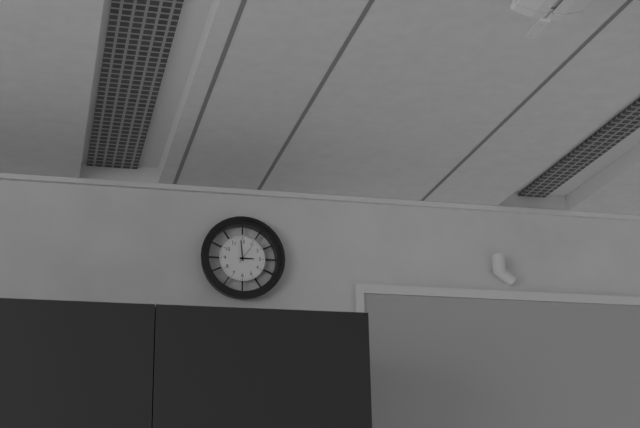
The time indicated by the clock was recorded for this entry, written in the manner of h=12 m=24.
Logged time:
h=2 m=59
